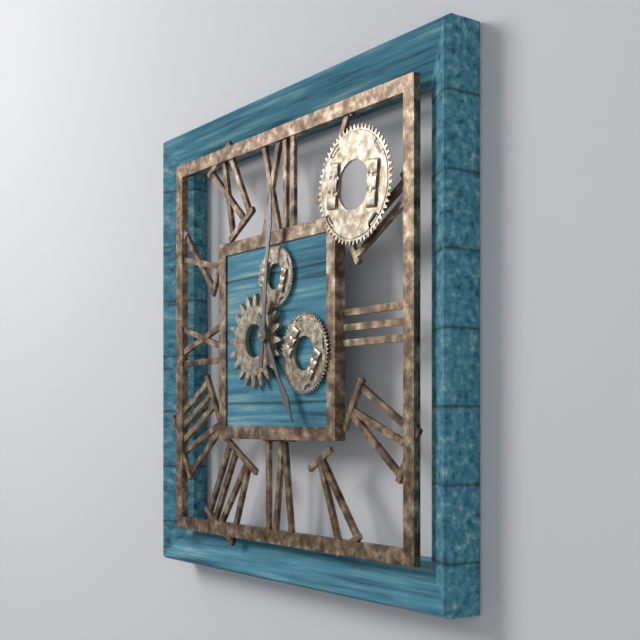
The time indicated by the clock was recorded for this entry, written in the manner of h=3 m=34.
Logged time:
h=5 m=1
